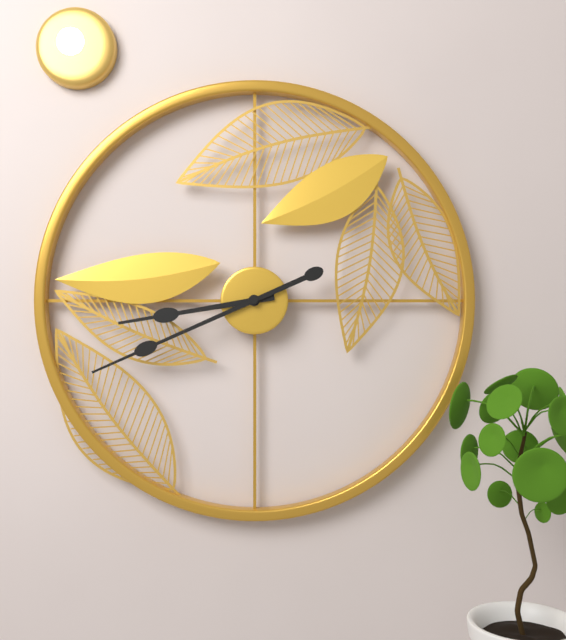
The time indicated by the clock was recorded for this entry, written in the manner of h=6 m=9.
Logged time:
h=8 m=41
